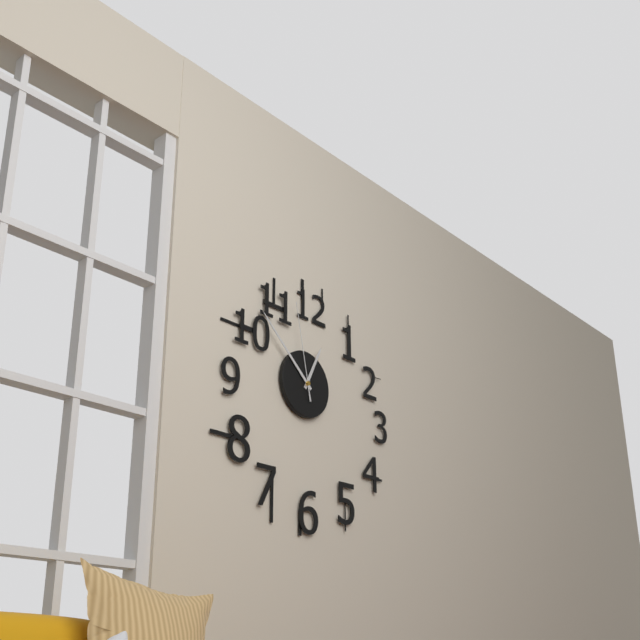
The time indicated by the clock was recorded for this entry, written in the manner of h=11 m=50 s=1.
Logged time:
h=12 m=52 s=58
